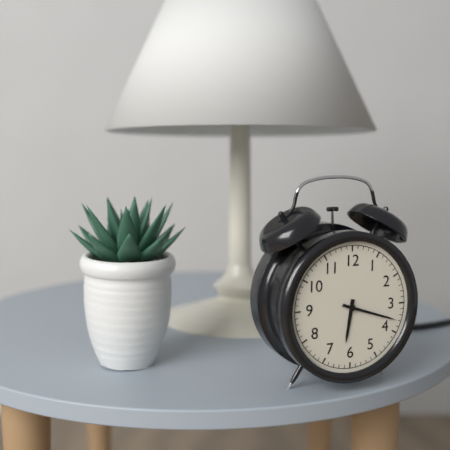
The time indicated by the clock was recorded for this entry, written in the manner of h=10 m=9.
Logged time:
h=6 m=18
